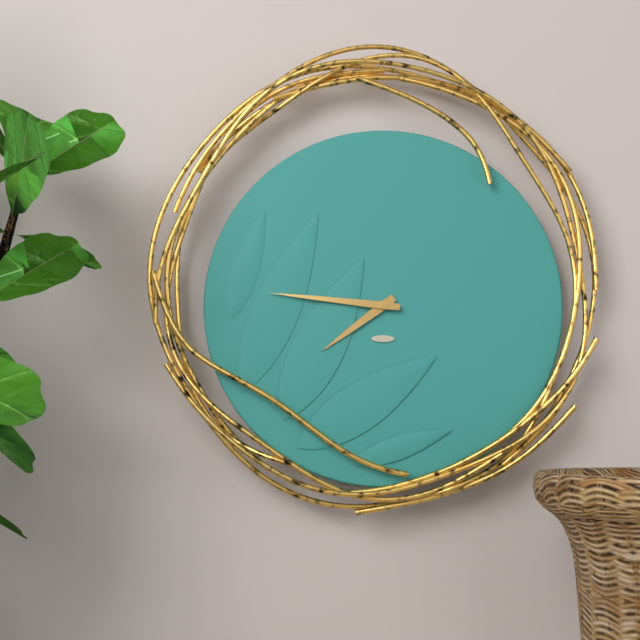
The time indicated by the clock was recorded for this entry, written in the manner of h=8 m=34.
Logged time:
h=7 m=46
